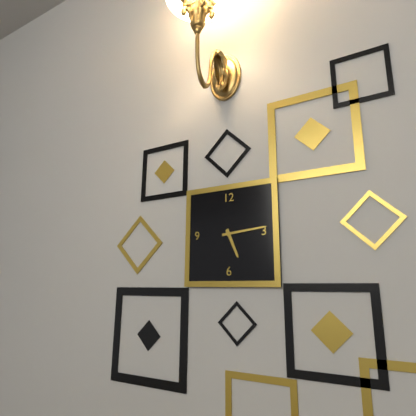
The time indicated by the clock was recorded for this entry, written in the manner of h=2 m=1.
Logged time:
h=5 m=14
